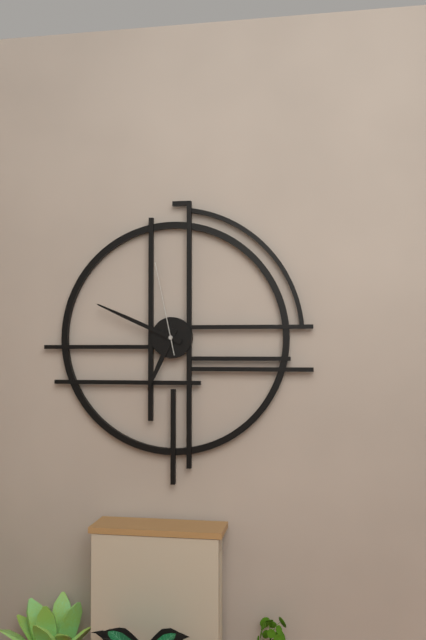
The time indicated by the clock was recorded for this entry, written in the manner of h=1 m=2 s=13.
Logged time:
h=6 m=49 s=58
